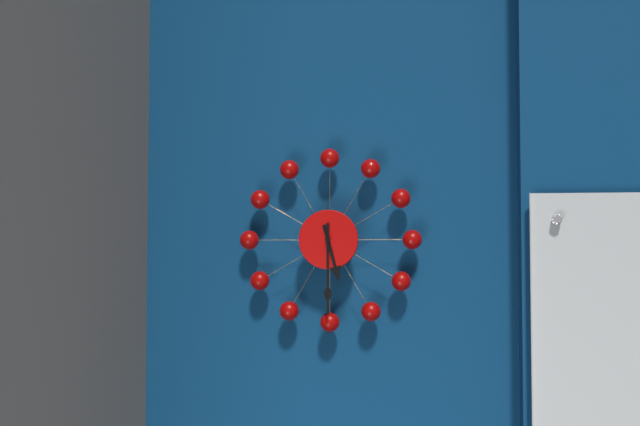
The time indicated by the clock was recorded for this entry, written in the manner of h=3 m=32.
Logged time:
h=5 m=30
